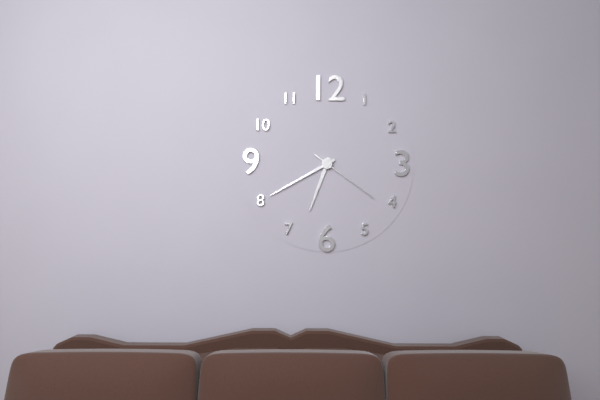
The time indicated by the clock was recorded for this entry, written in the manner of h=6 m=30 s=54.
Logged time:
h=6 m=40 s=21
